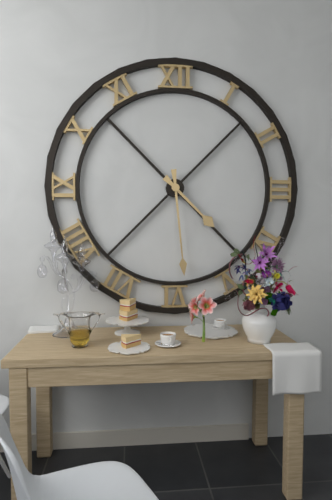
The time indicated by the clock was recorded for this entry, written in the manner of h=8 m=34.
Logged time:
h=4 m=29
